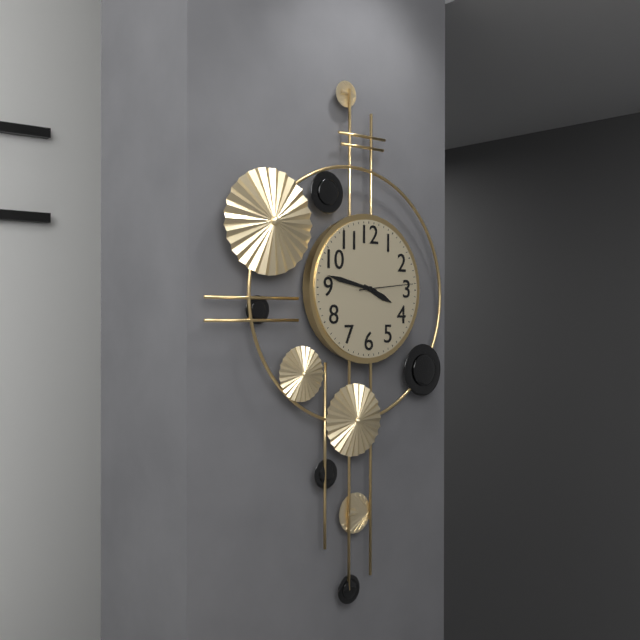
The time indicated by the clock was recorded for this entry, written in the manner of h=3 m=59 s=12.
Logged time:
h=3 m=47 s=14
